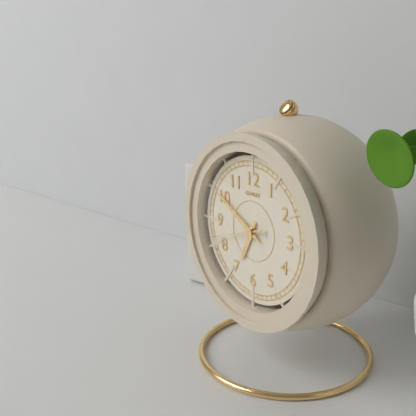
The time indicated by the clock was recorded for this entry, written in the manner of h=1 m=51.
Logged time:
h=6 m=50
